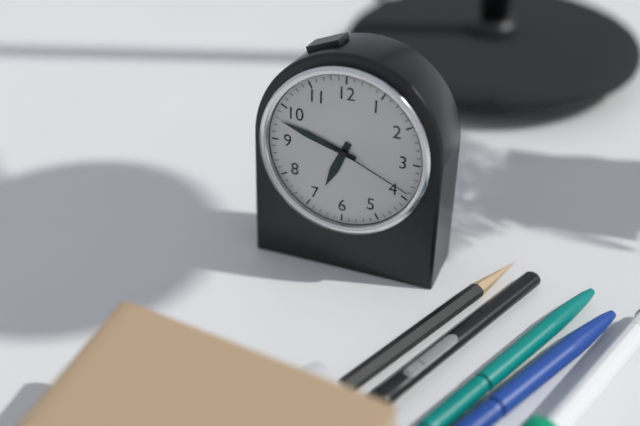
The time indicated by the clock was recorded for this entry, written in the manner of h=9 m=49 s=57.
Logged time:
h=6 m=48 s=19
